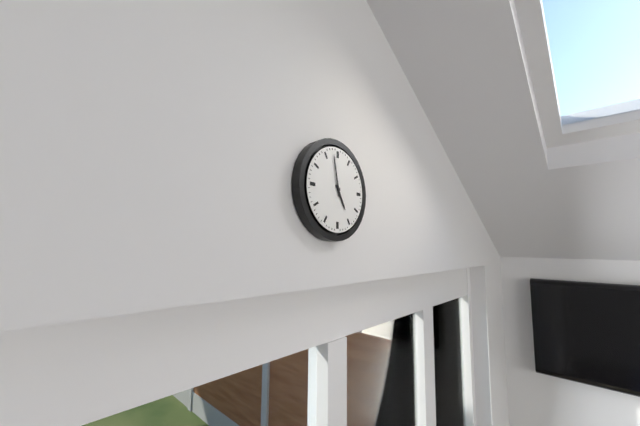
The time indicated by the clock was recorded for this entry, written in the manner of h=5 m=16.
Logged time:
h=4 m=58
